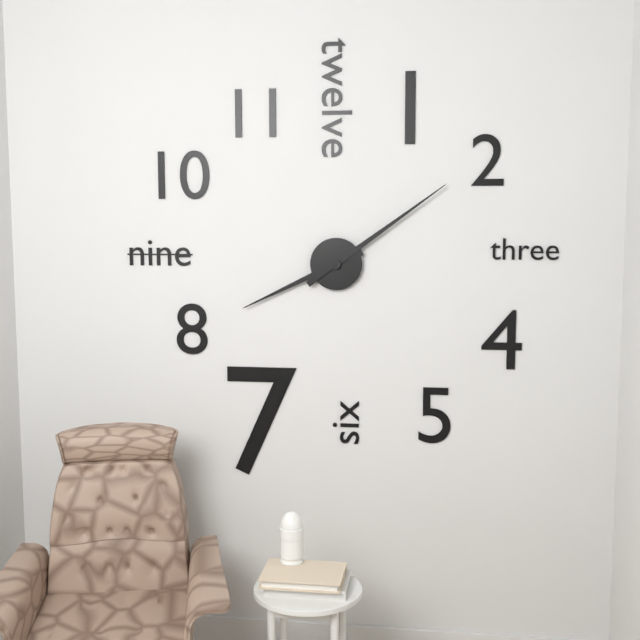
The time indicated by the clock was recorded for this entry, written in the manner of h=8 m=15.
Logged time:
h=8 m=9
